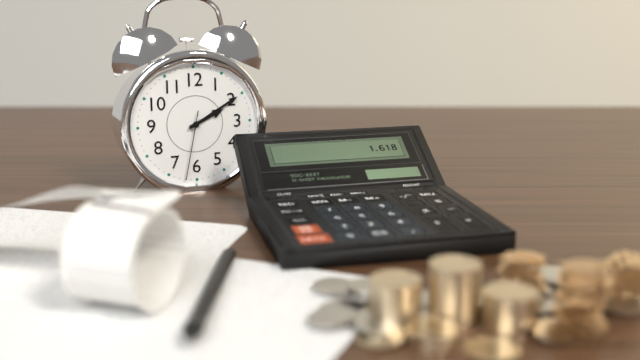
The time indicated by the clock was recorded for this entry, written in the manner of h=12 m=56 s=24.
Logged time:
h=2 m=10 s=32
